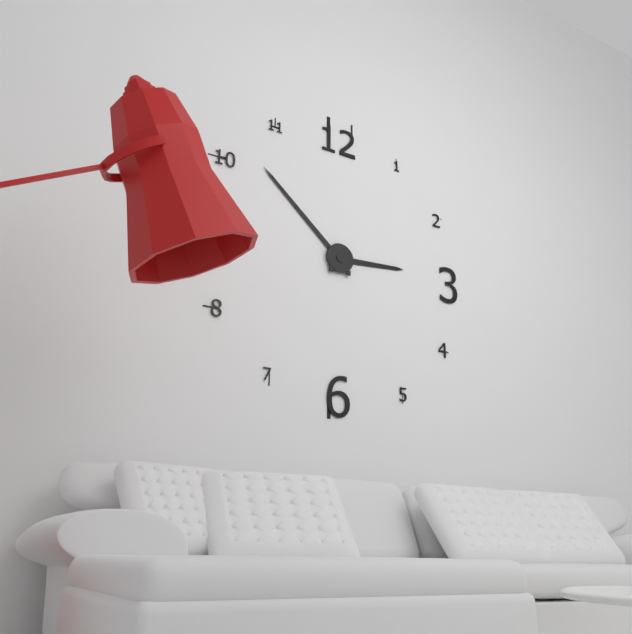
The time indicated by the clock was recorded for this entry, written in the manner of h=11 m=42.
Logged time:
h=2 m=52
